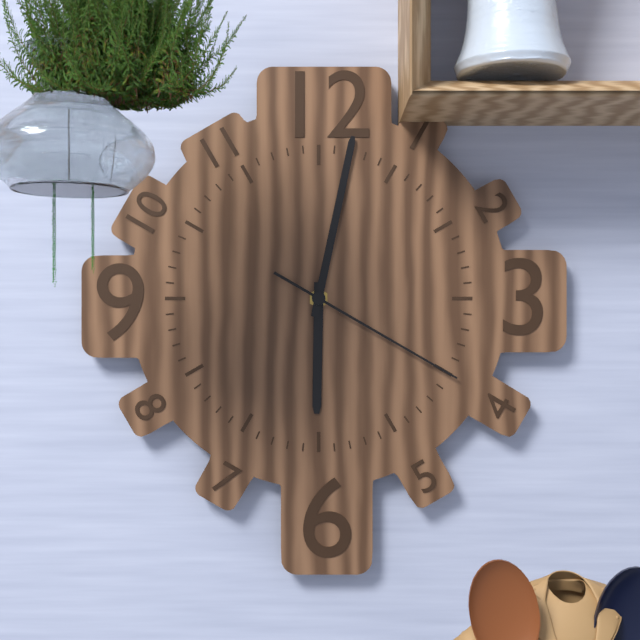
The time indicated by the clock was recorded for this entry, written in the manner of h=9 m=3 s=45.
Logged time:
h=6 m=2 s=20
